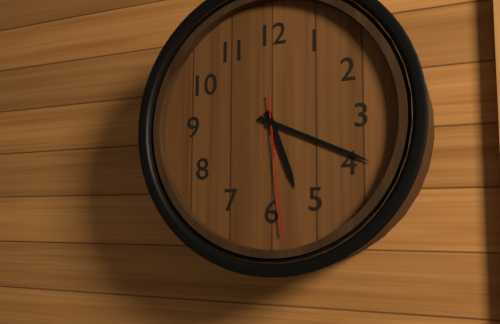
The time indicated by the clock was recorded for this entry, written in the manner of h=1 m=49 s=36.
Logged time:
h=5 m=19 s=29
